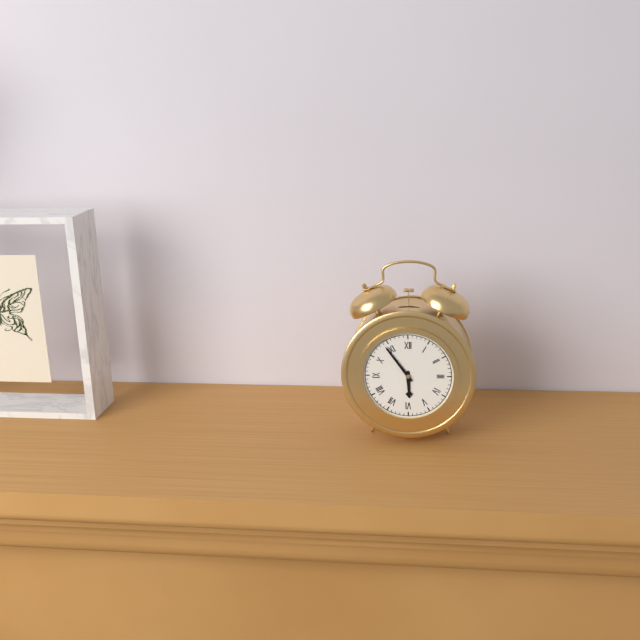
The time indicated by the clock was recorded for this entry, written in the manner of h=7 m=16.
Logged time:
h=5 m=54
